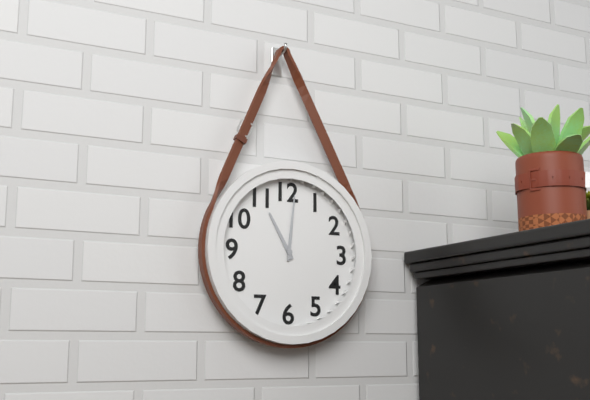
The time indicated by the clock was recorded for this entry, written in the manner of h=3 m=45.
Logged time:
h=11 m=1
